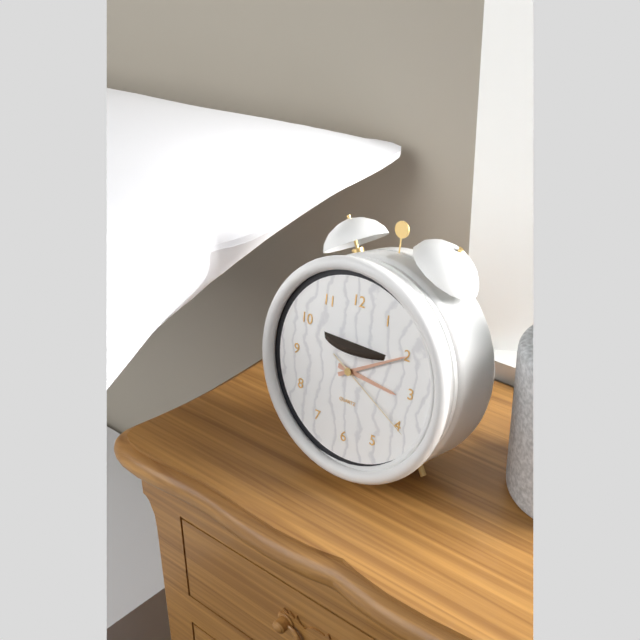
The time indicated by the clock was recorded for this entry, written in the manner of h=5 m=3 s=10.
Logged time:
h=3 m=10 s=20
